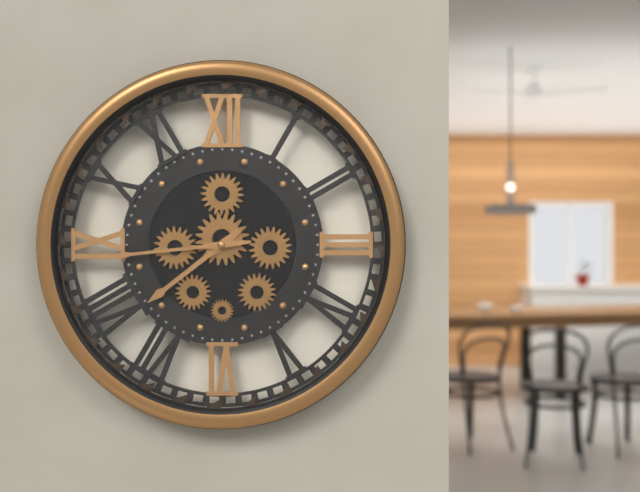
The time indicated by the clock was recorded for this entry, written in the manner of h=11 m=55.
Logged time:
h=7 m=44
